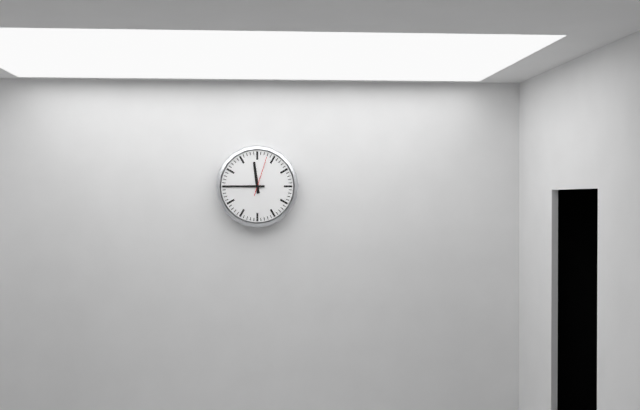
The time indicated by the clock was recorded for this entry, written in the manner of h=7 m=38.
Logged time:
h=11 m=45
